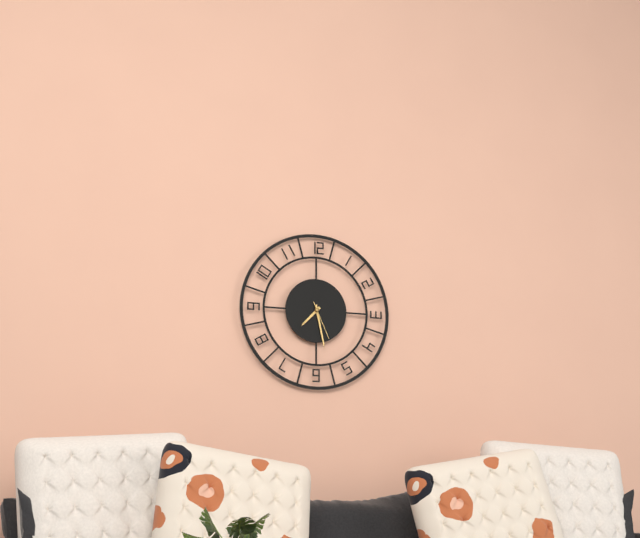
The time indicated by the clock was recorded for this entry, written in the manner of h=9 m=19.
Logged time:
h=7 m=28
